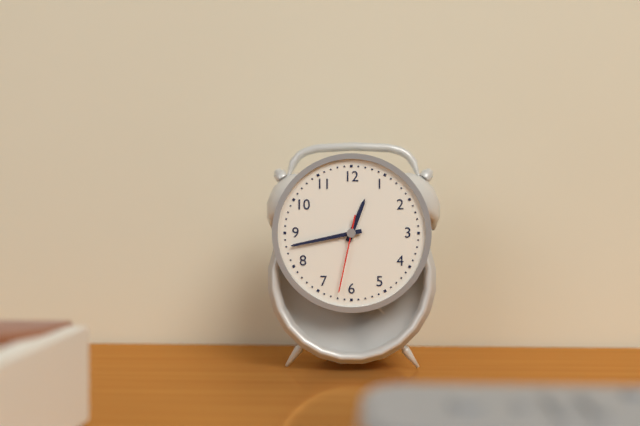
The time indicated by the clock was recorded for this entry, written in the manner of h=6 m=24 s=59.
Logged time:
h=12 m=43 s=32
